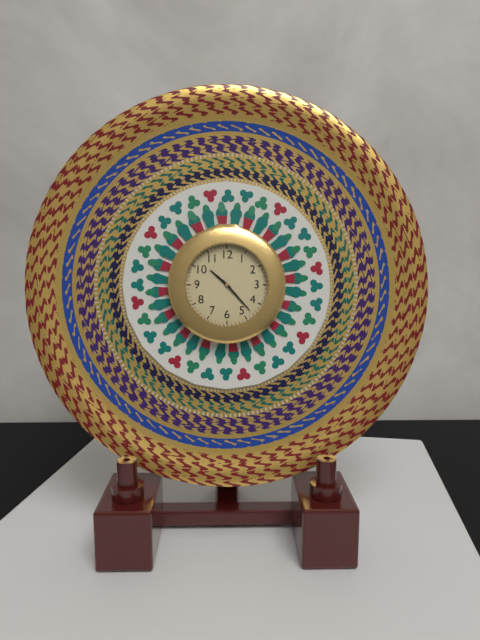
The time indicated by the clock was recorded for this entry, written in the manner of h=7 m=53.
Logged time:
h=10 m=23
